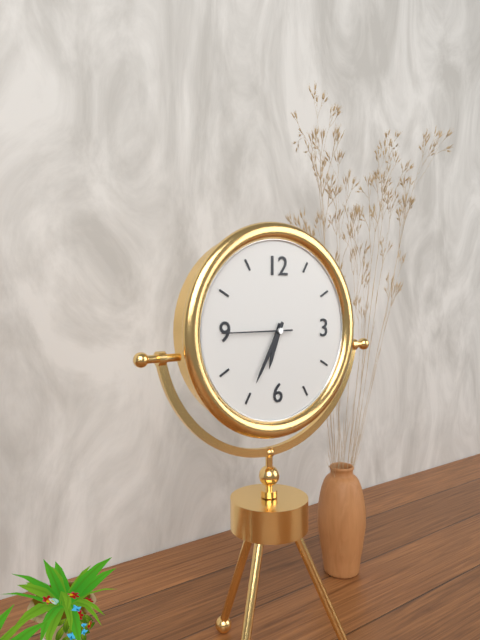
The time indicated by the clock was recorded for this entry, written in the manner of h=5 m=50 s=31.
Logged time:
h=6 m=35 s=45
